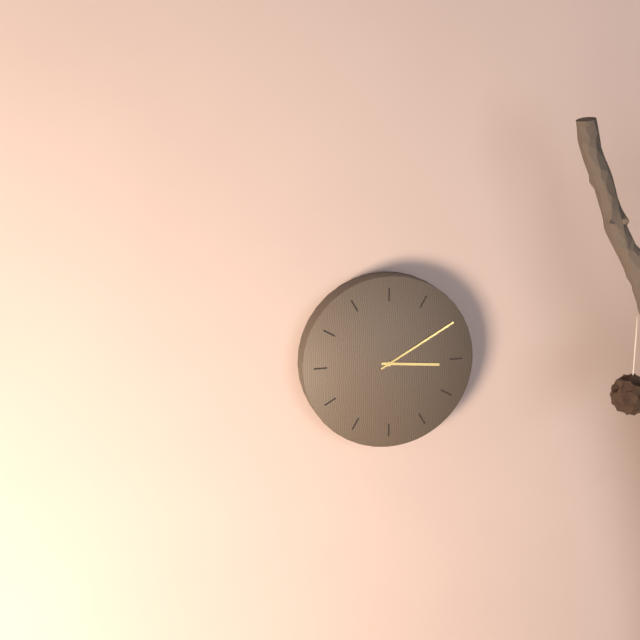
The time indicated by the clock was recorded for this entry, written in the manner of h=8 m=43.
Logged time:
h=3 m=10
